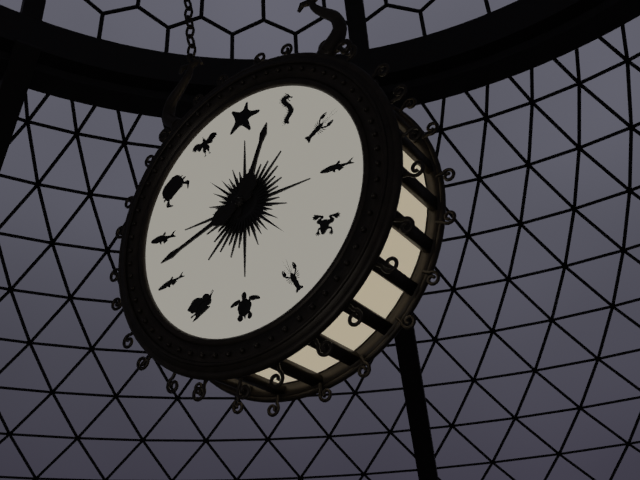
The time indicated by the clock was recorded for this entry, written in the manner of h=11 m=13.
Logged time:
h=12 m=42
